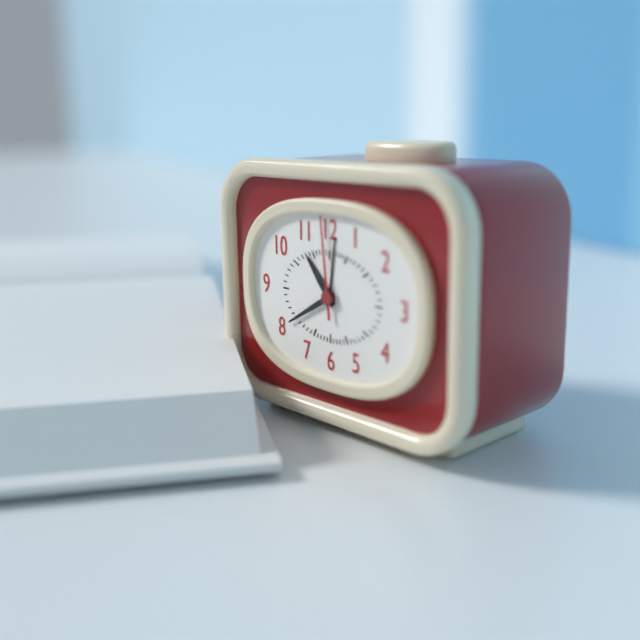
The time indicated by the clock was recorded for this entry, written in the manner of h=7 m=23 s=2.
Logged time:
h=10 m=40 s=59
